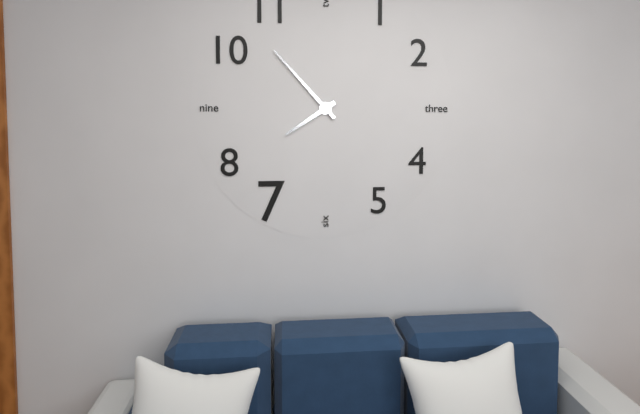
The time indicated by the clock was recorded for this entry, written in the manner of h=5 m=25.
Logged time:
h=7 m=53
